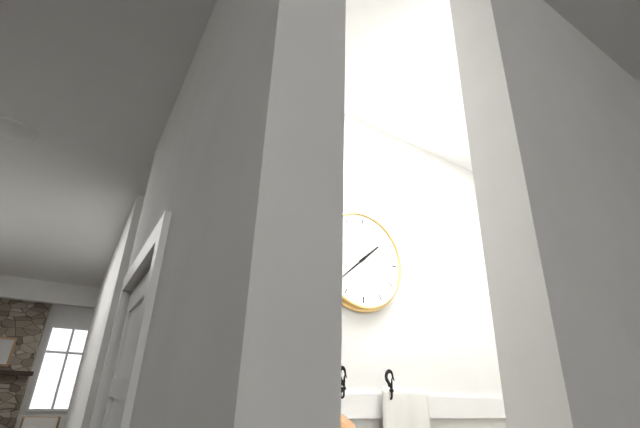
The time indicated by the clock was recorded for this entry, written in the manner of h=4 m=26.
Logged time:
h=1 m=38
